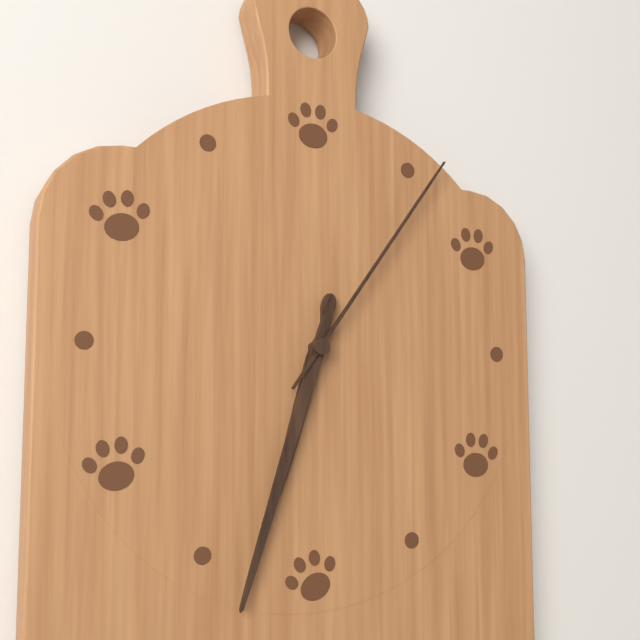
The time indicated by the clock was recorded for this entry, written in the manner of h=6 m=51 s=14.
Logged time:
h=6 m=33 s=6
